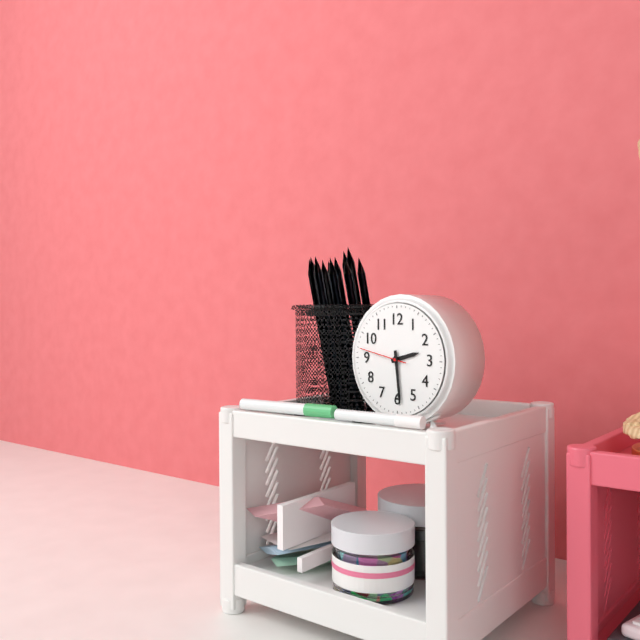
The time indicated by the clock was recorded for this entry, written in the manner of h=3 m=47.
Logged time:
h=2 m=29
